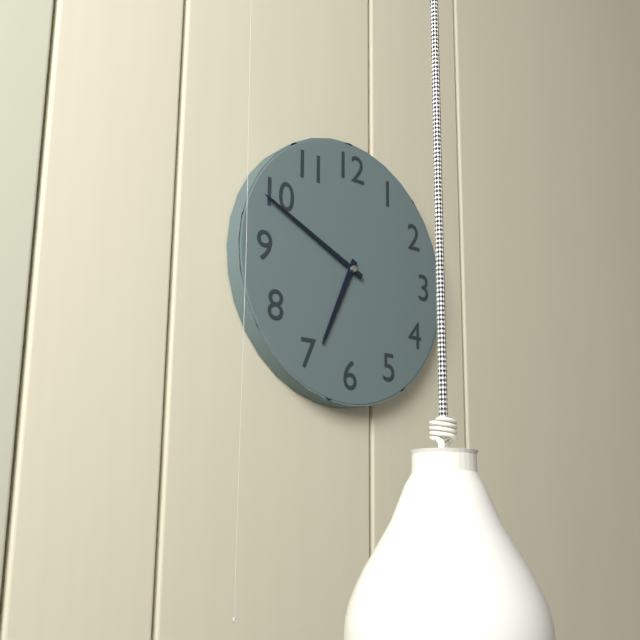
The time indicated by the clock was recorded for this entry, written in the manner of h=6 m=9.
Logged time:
h=6 m=49
